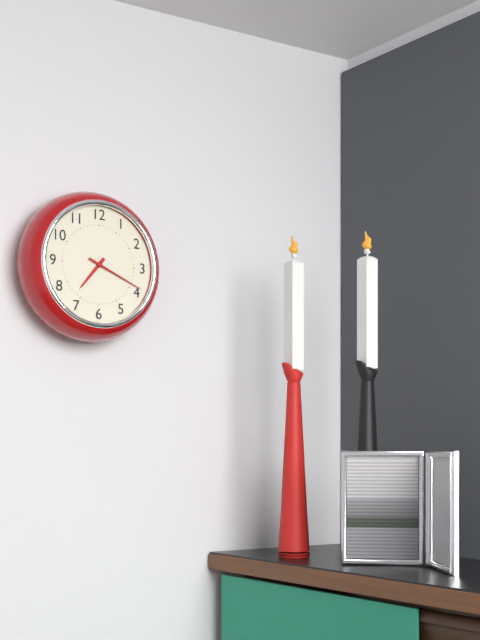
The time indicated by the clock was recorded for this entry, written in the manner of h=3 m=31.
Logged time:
h=7 m=19
